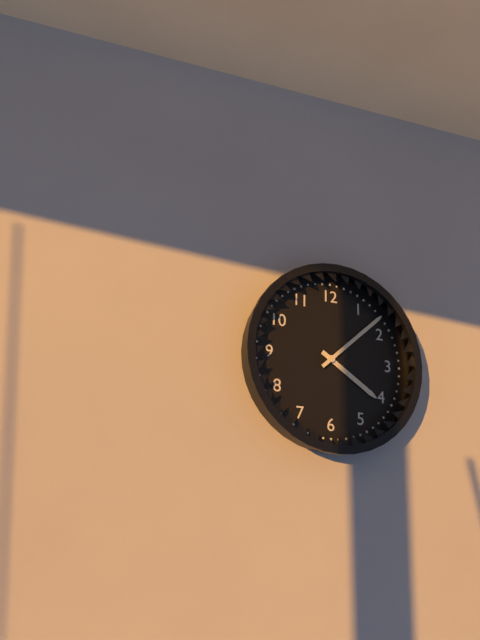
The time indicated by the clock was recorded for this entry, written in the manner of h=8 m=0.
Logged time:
h=4 m=8
